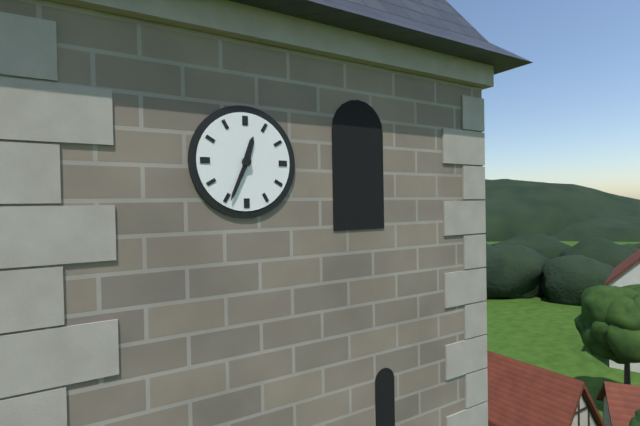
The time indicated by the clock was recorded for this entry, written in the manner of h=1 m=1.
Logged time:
h=12 m=34
